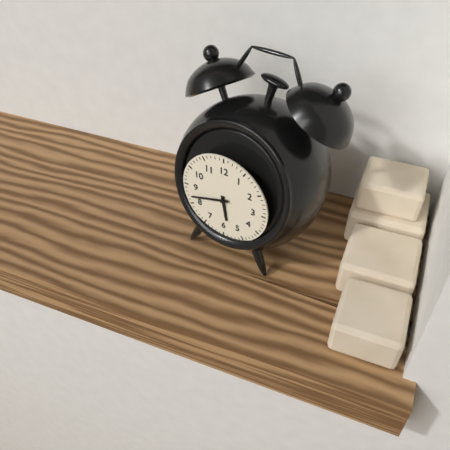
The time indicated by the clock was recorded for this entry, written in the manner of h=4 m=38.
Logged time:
h=5 m=42
